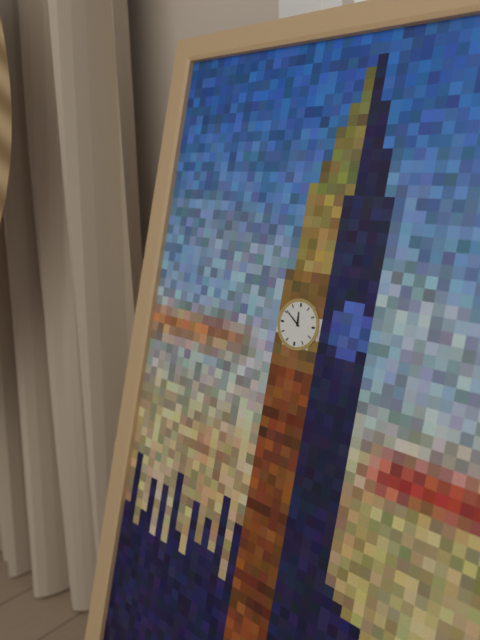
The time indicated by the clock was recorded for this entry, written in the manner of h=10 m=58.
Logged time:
h=11 m=51
